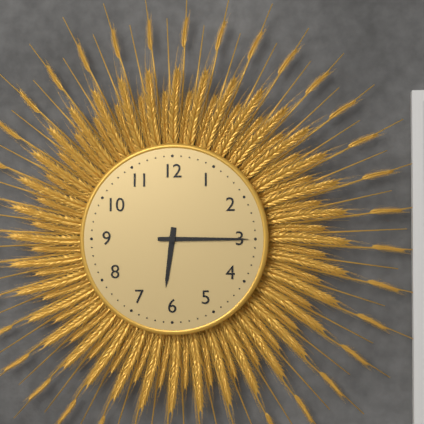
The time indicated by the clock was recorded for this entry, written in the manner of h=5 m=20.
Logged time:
h=6 m=15
